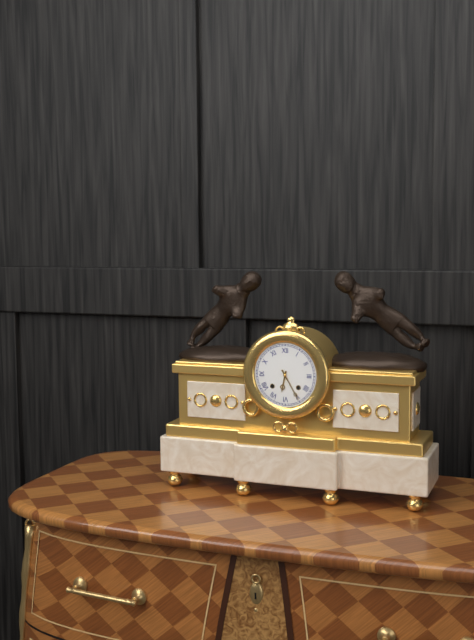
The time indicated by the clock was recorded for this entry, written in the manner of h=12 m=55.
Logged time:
h=6 m=25
